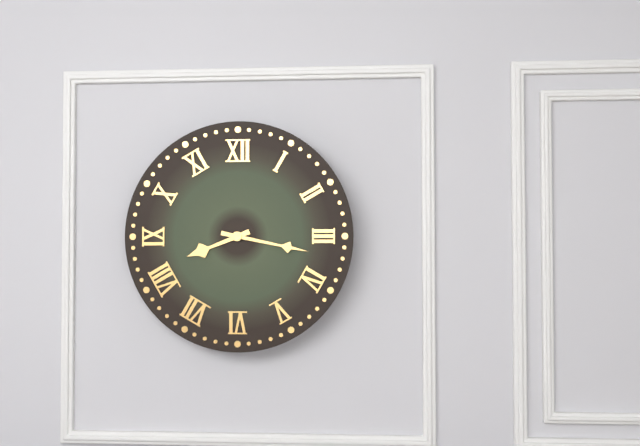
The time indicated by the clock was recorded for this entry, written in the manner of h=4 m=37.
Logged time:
h=8 m=17
